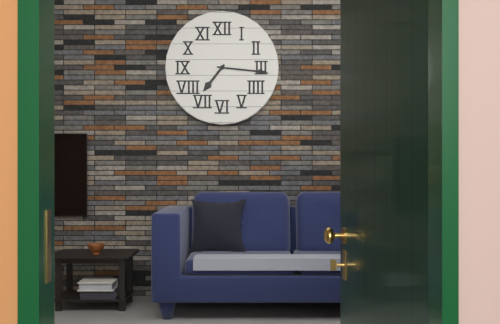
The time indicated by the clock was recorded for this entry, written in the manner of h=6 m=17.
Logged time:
h=7 m=16
